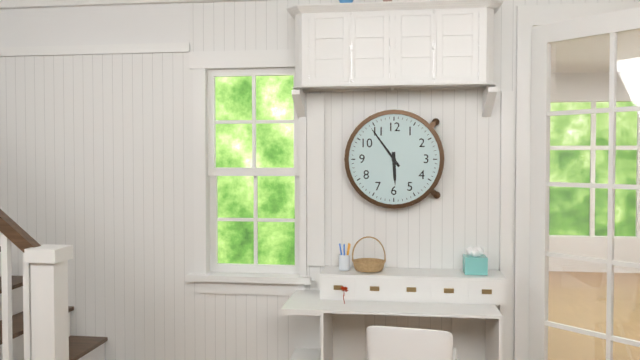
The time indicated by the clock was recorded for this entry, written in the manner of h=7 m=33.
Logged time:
h=5 m=54
